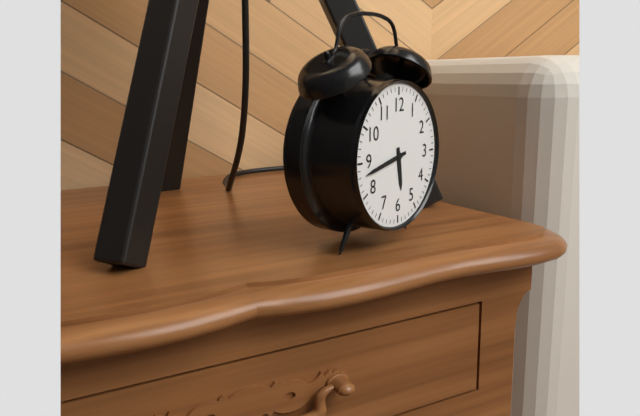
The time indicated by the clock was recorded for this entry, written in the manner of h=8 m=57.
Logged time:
h=5 m=43
